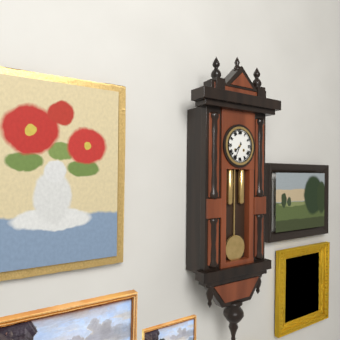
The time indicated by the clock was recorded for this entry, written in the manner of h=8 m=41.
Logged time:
h=7 m=34
